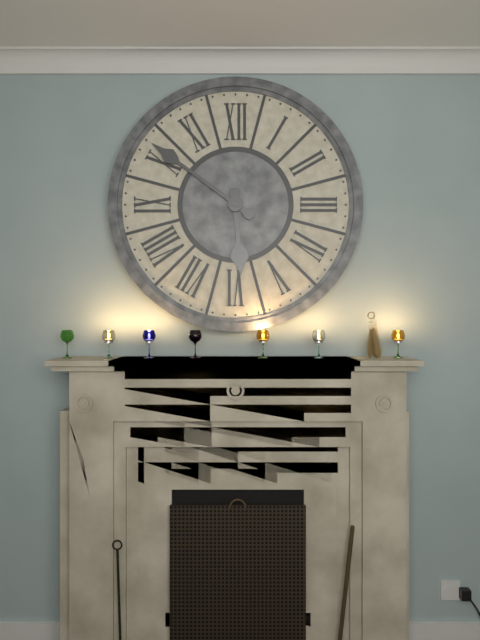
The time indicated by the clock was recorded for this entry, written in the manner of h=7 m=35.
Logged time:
h=5 m=51
